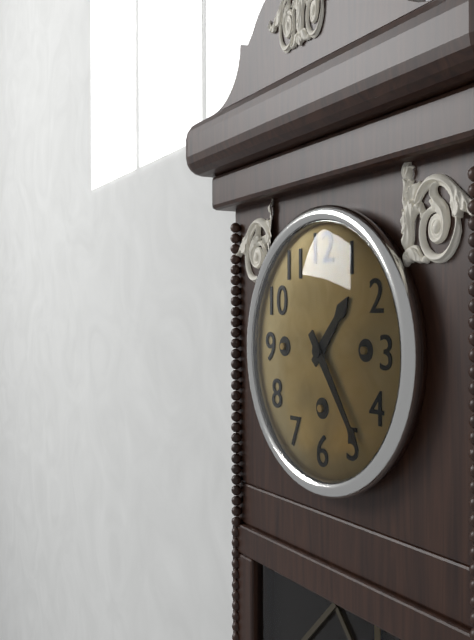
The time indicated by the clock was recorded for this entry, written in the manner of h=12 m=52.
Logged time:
h=1 m=24
